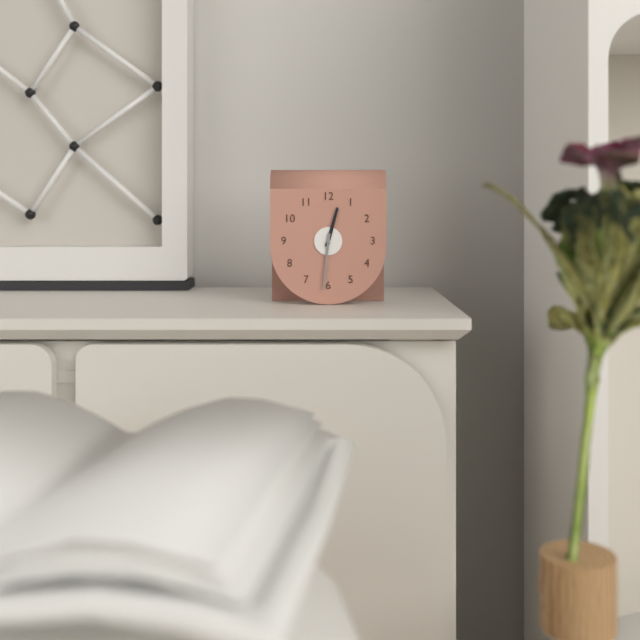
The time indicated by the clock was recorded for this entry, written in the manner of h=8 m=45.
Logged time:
h=12 m=31
